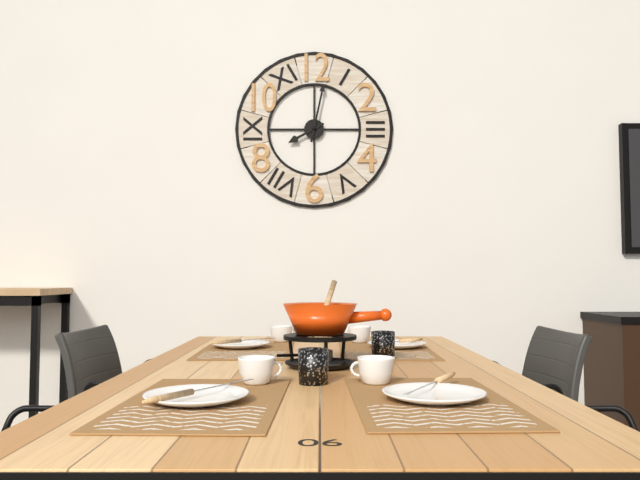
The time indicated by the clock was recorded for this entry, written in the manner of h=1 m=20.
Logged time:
h=8 m=2
